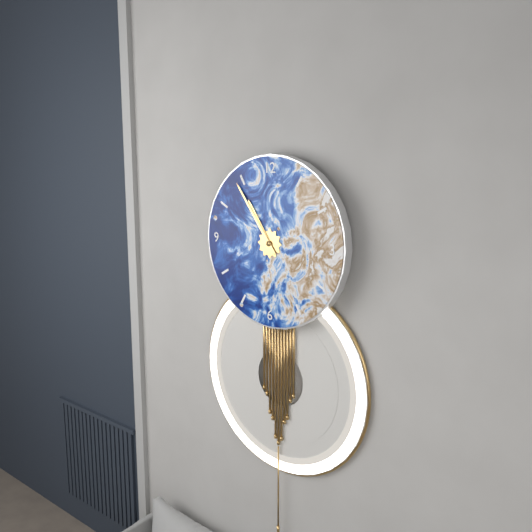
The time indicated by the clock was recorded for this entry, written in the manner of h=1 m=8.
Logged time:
h=10 m=54
